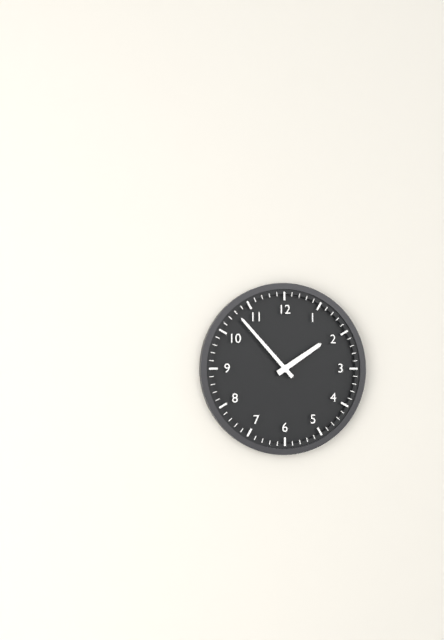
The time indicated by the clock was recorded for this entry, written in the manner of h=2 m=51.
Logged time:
h=1 m=53
